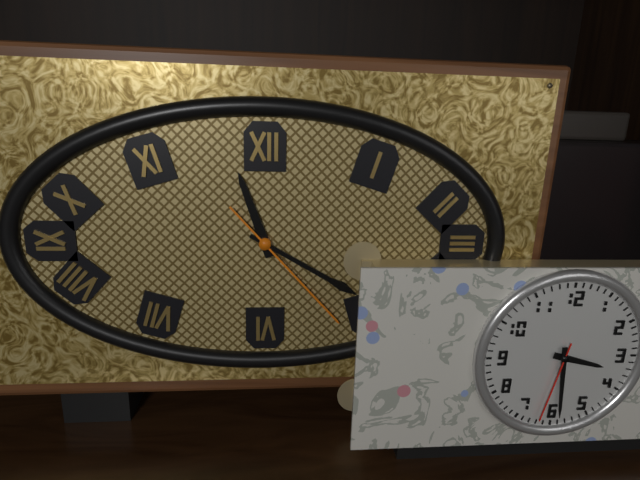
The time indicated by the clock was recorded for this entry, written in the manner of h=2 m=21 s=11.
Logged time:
h=11 m=20 s=23
